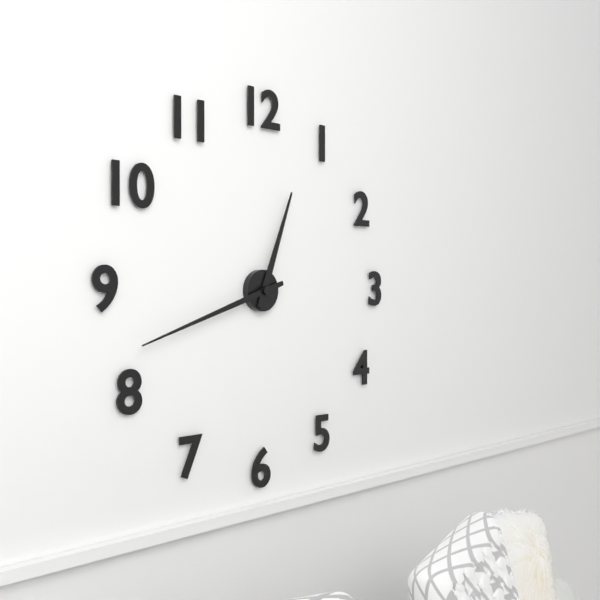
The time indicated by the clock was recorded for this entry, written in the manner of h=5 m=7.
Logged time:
h=12 m=42
